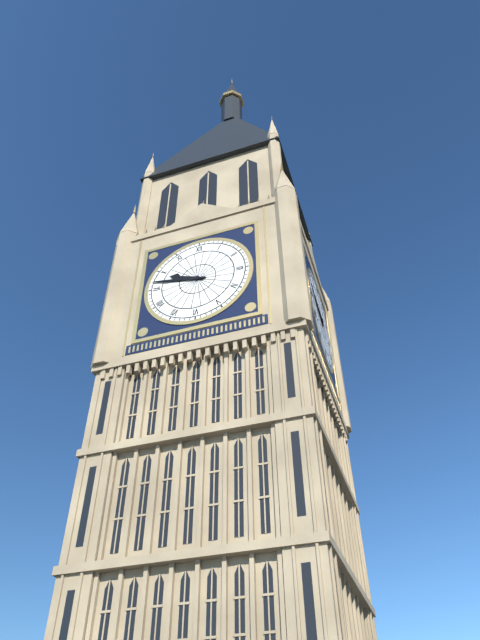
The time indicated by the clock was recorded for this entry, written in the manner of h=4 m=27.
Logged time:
h=9 m=47
